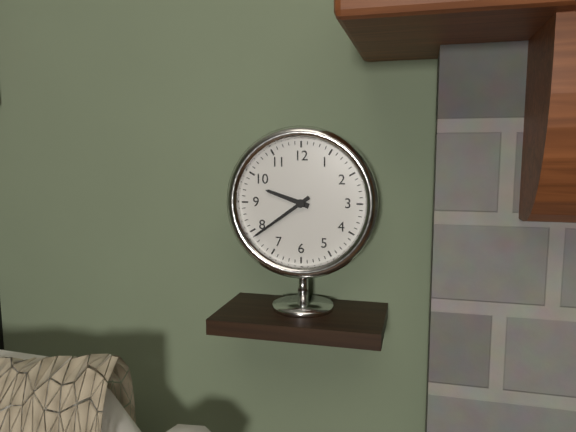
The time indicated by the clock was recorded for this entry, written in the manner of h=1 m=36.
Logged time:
h=9 m=39
